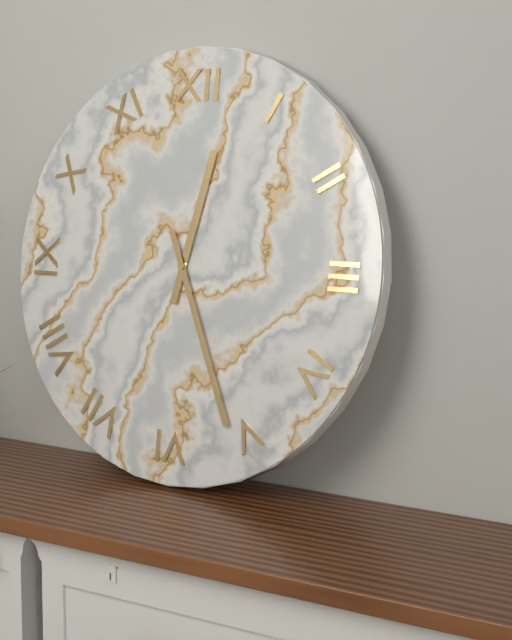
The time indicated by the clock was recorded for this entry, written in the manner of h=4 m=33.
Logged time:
h=12 m=26
